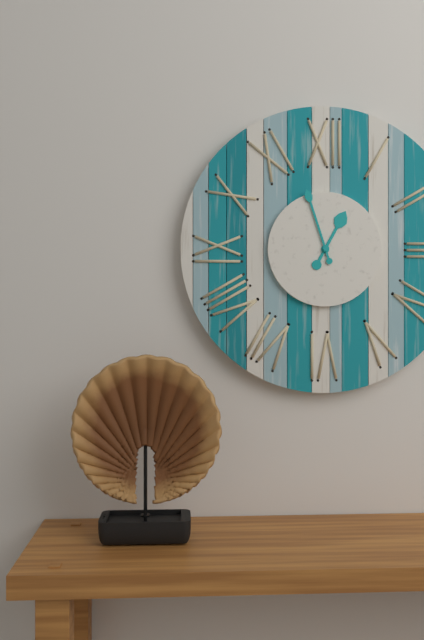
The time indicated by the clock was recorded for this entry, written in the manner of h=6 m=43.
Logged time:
h=12 m=57
